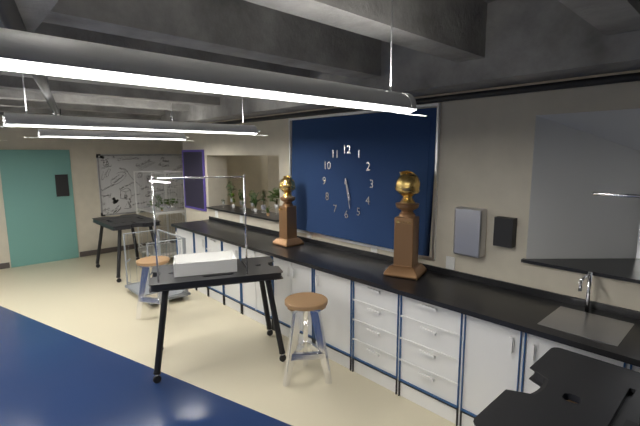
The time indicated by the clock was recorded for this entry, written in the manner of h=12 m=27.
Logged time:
h=5 m=28
